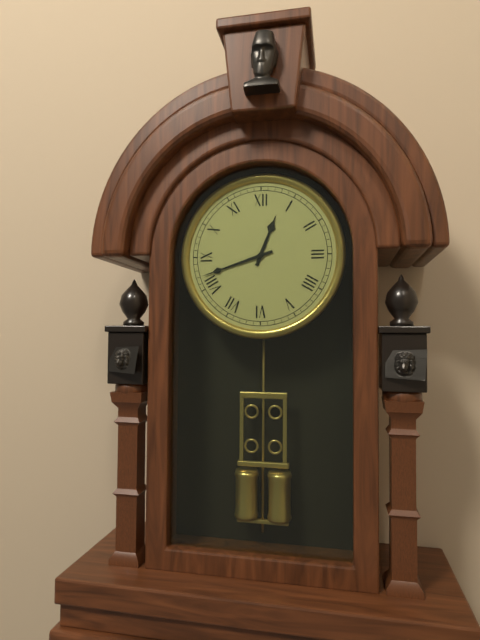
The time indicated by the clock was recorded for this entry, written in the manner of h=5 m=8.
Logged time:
h=12 m=42
